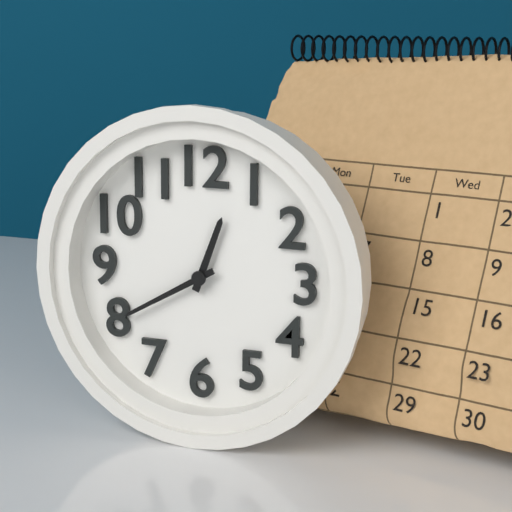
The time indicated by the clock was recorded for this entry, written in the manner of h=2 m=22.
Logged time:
h=12 m=40
